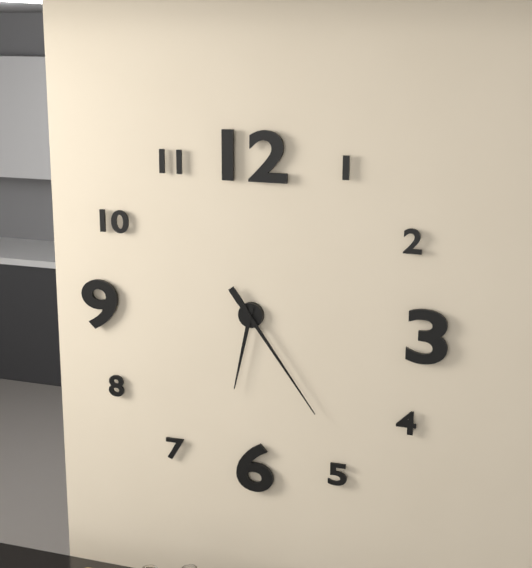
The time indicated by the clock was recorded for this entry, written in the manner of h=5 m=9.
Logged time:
h=6 m=24
